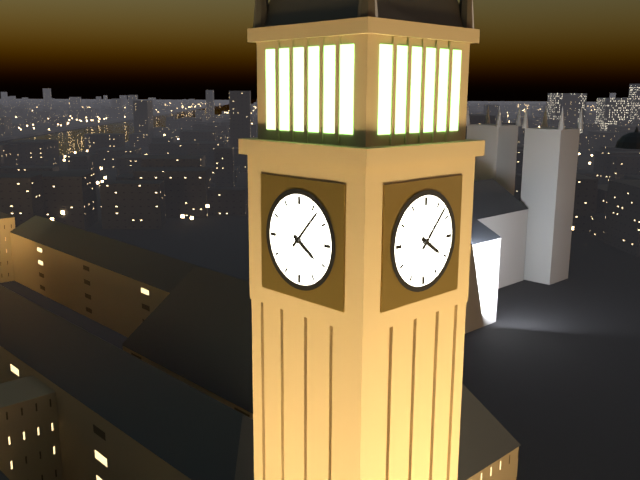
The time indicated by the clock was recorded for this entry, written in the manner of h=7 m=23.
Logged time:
h=4 m=7
